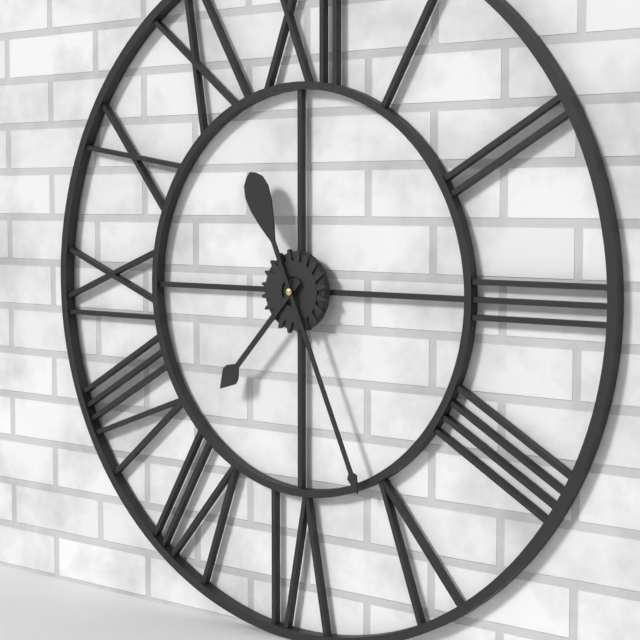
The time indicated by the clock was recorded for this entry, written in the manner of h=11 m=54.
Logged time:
h=7 m=26
